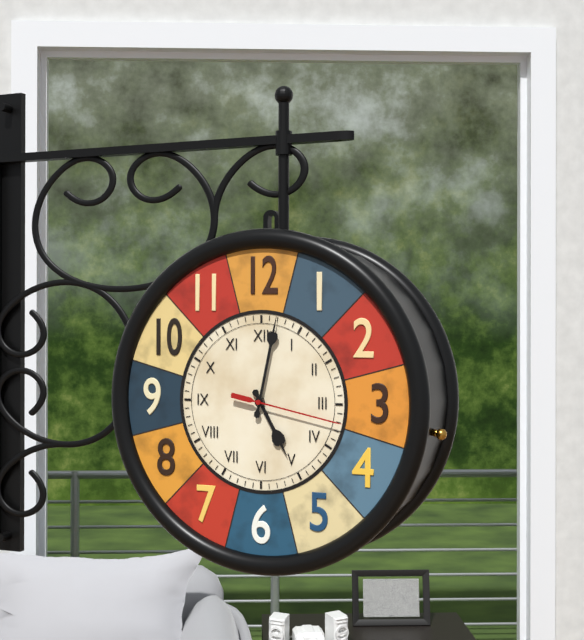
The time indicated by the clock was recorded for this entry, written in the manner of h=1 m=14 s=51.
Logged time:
h=5 m=2 s=17
